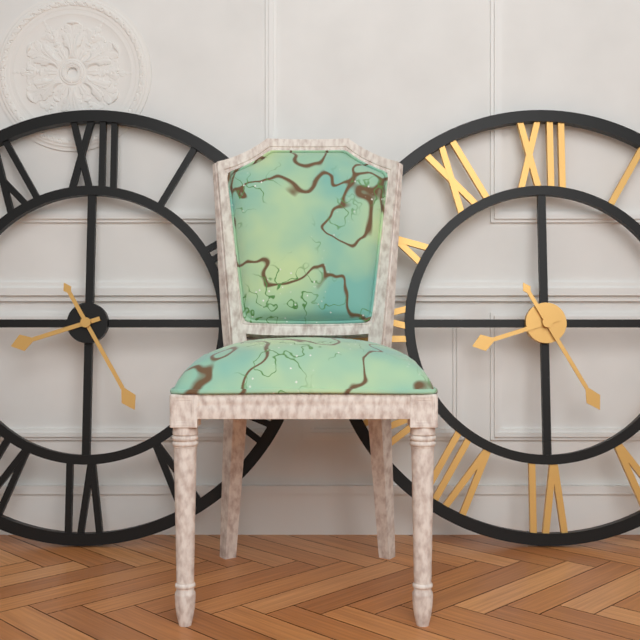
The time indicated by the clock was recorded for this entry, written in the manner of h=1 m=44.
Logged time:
h=8 m=25
